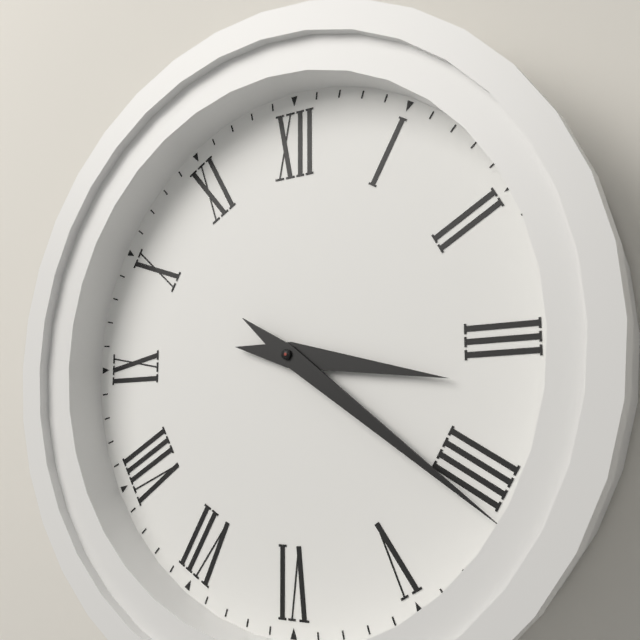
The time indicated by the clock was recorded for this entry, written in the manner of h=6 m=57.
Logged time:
h=3 m=21
